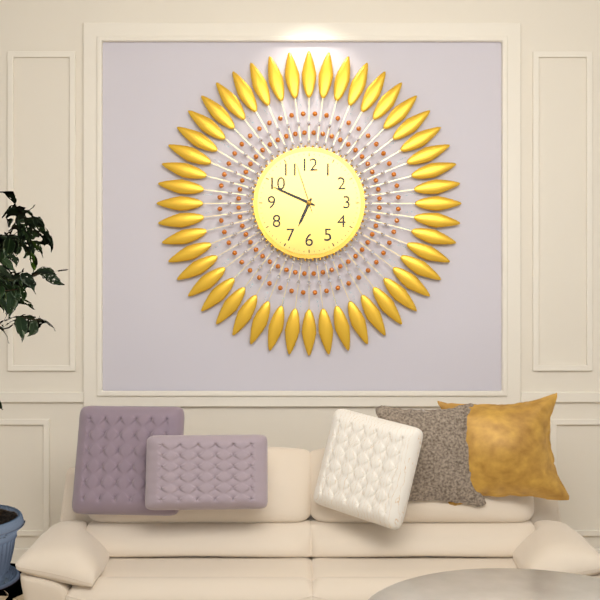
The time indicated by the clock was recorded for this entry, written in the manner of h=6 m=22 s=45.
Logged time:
h=6 m=49 s=57
